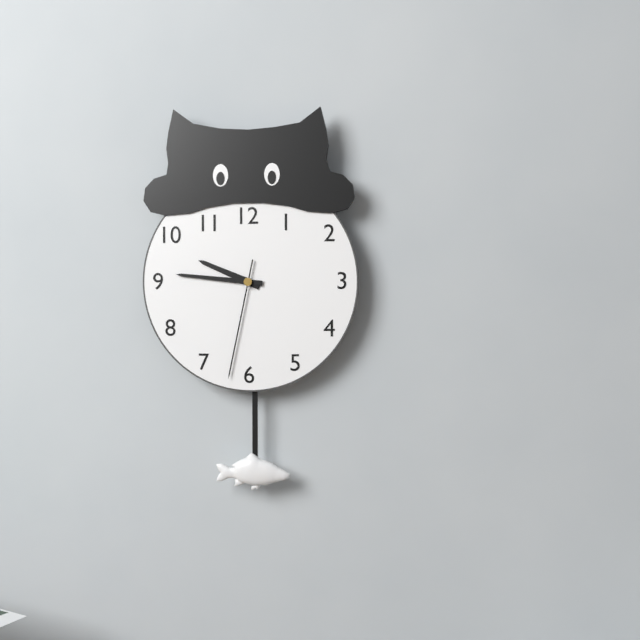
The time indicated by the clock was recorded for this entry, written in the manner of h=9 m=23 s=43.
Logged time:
h=9 m=46 s=32
